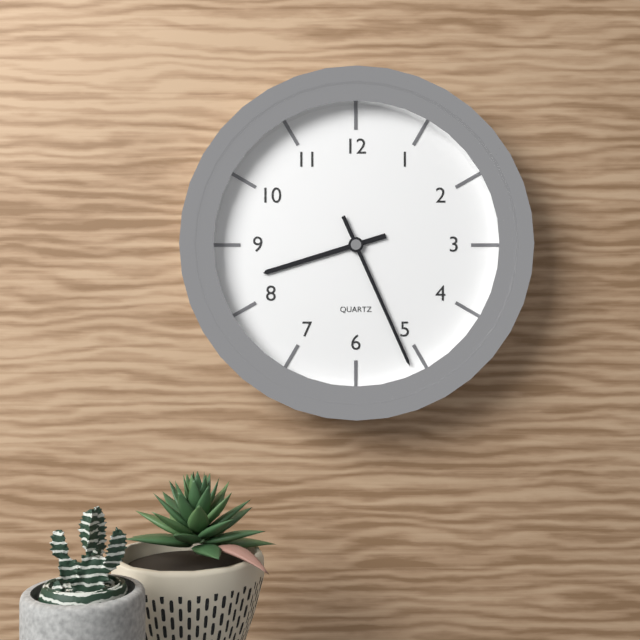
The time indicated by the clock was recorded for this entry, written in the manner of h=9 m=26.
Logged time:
h=8 m=26
